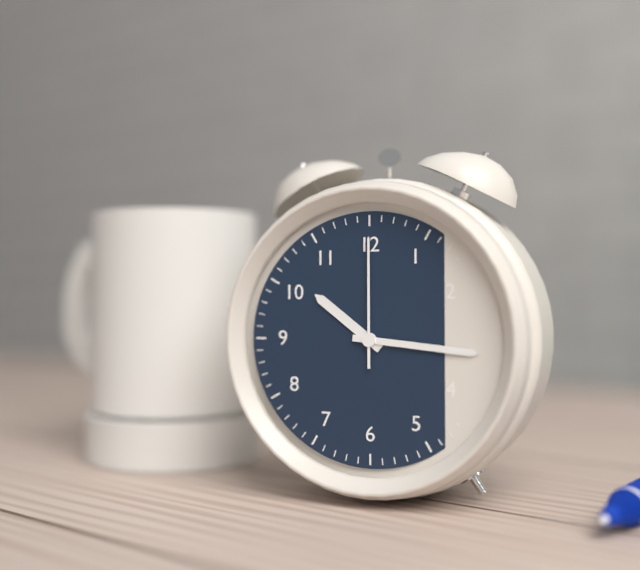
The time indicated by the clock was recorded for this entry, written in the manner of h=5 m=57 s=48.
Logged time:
h=10 m=16 s=0
